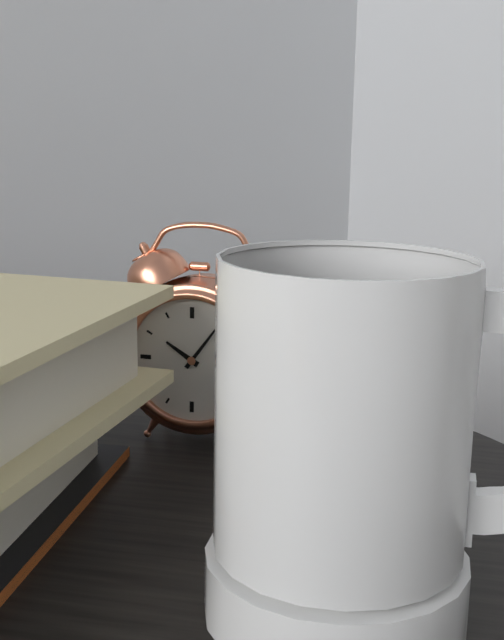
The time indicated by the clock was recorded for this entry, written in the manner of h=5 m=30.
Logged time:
h=10 m=6
